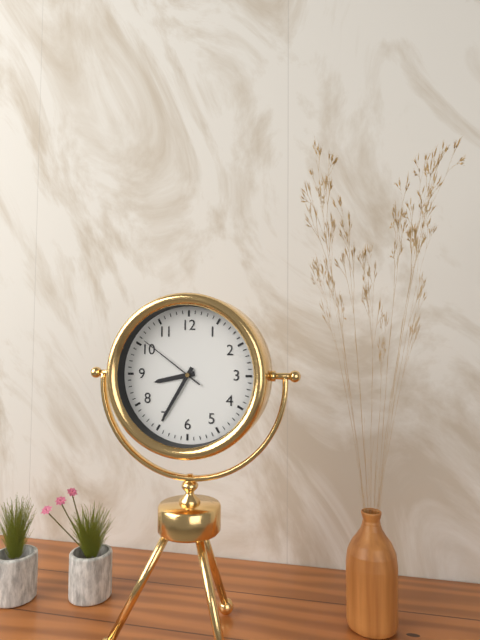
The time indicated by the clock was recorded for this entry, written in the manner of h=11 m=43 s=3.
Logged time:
h=8 m=35 s=51
